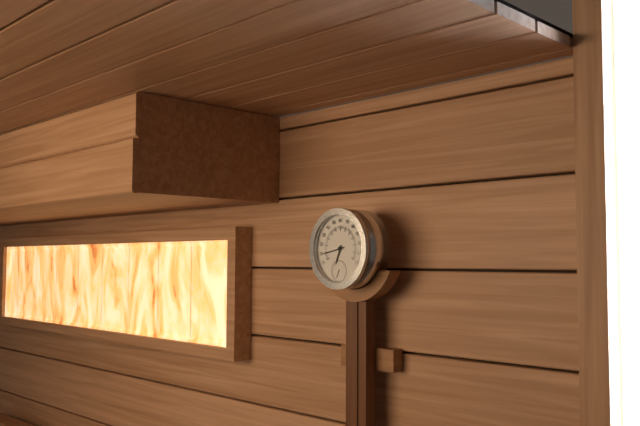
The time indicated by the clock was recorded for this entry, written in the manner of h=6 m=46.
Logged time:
h=6 m=43
